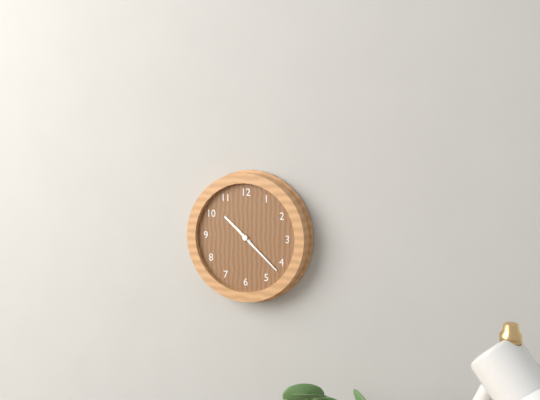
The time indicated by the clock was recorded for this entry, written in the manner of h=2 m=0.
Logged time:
h=10 m=22
